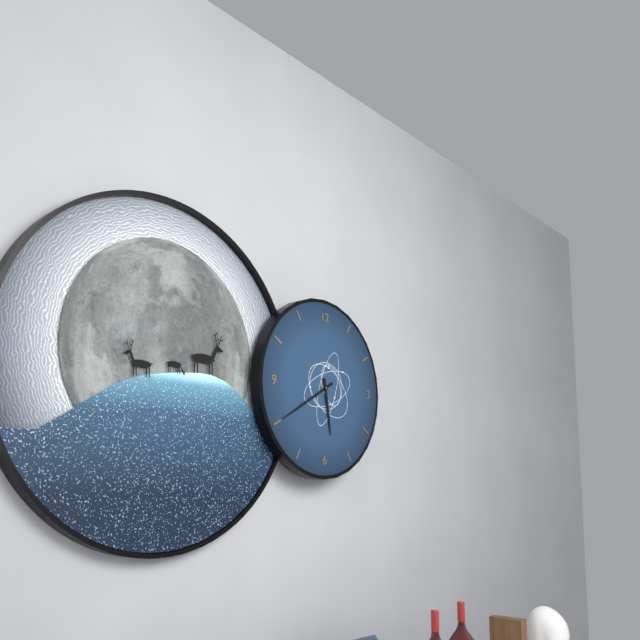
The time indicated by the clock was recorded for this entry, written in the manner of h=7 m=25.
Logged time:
h=5 m=40
